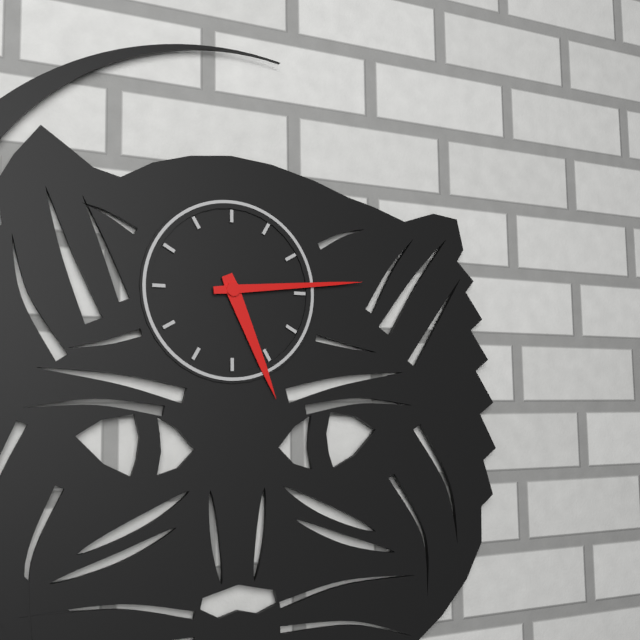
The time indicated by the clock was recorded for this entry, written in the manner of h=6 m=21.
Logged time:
h=5 m=14
